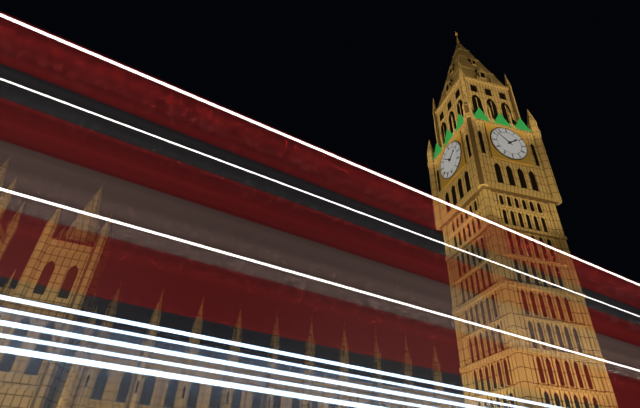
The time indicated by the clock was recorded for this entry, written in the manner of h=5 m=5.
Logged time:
h=1 m=52
